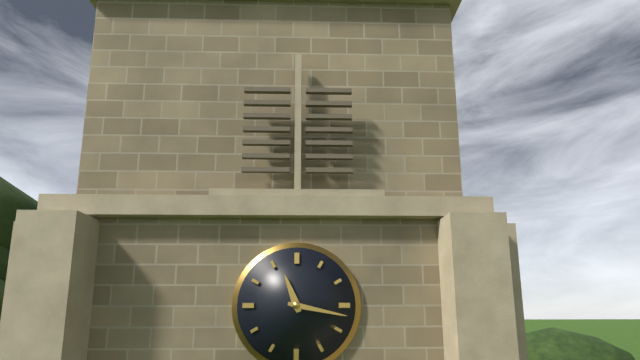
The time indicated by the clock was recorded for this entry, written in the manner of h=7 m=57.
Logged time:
h=11 m=17
